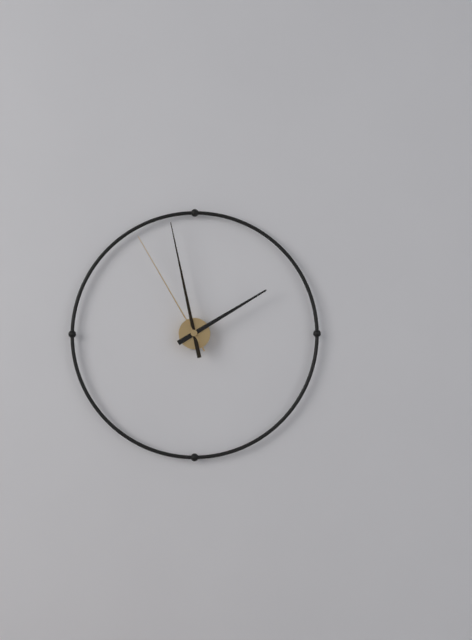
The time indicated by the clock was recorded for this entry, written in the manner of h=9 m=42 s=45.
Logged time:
h=1 m=58 s=55
